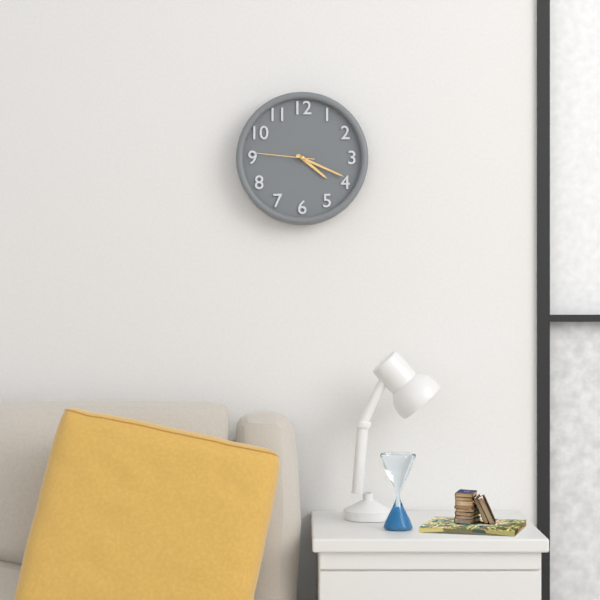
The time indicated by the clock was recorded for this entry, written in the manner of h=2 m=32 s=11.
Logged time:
h=4 m=19 s=46
